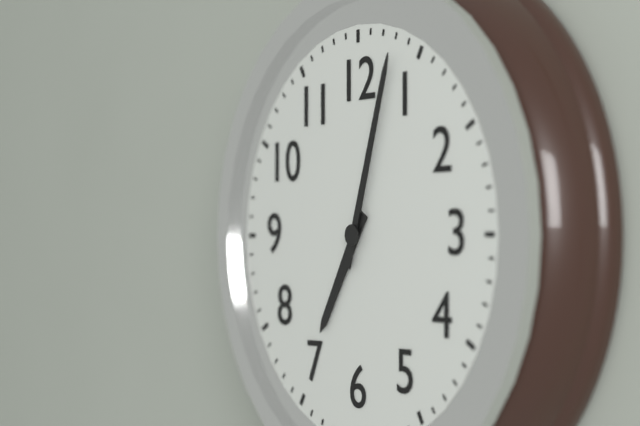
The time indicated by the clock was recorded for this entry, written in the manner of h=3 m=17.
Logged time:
h=7 m=3
